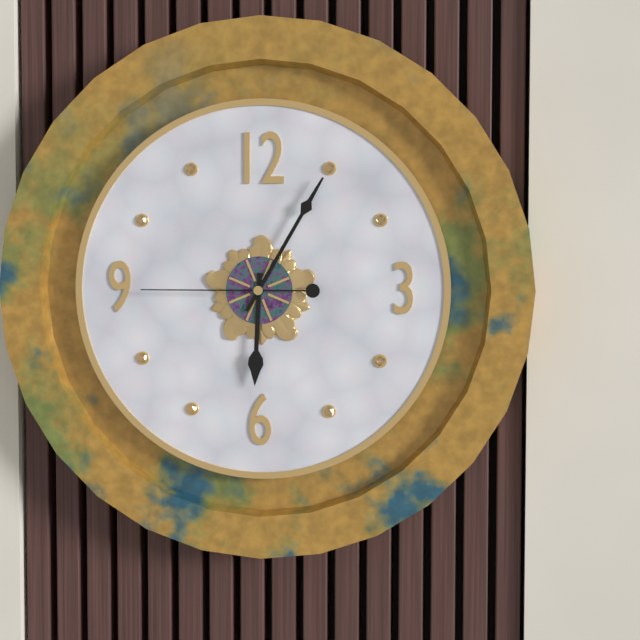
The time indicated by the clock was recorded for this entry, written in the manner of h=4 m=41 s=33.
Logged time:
h=6 m=5 s=45
